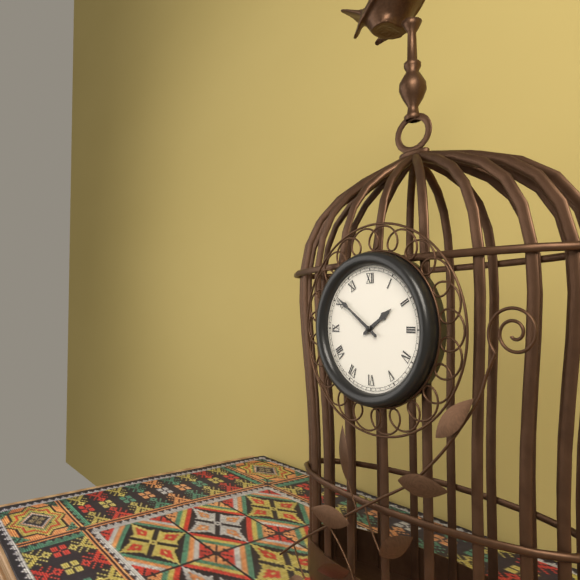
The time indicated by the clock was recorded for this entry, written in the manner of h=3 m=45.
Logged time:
h=1 m=51
